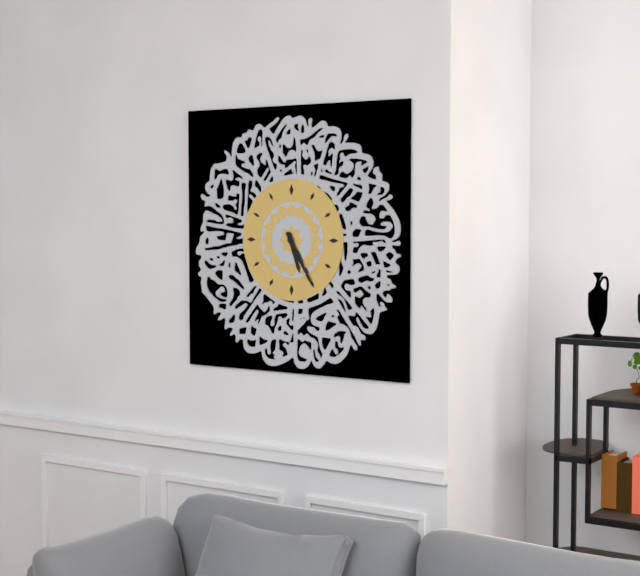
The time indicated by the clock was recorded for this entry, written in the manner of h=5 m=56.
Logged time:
h=5 m=25
